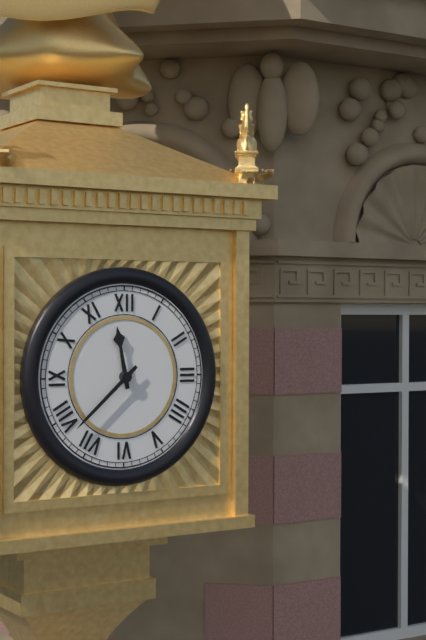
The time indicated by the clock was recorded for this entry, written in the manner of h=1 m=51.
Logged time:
h=11 m=38
